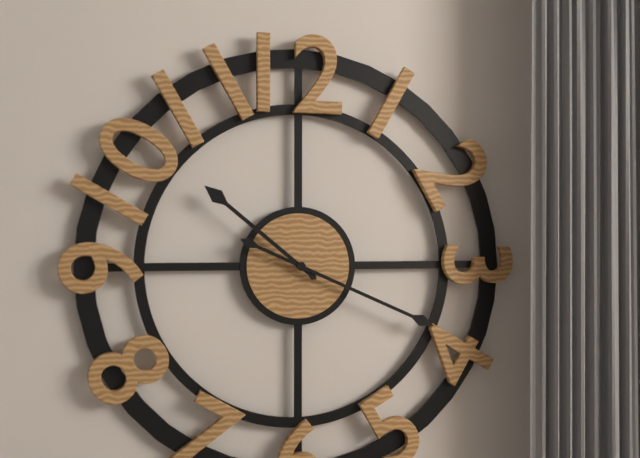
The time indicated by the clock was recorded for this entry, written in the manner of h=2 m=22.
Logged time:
h=10 m=19
